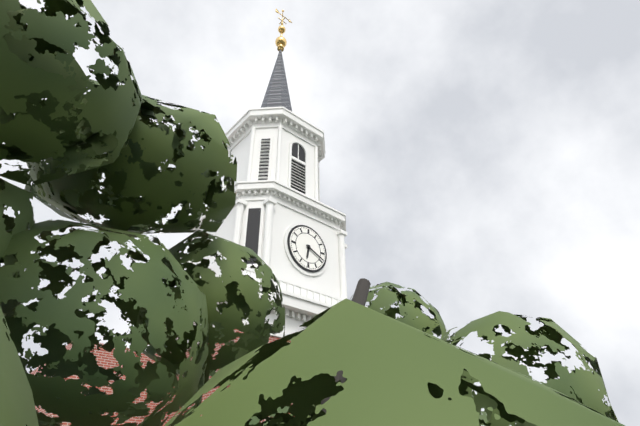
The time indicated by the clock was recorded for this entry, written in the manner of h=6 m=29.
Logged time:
h=6 m=19
